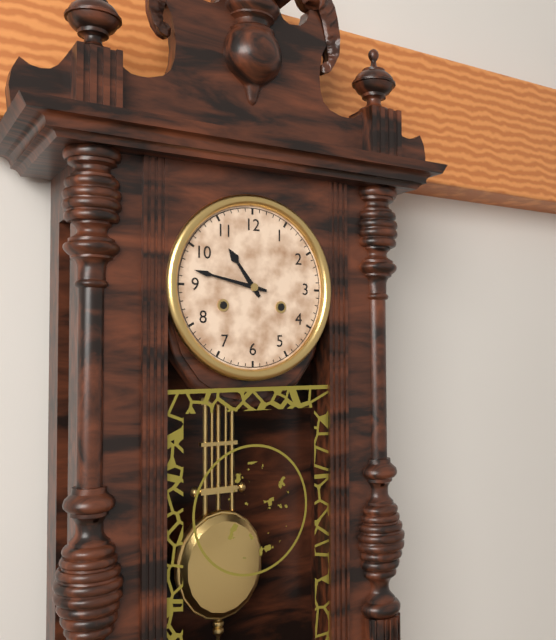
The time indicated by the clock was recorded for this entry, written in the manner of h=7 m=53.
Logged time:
h=10 m=47
